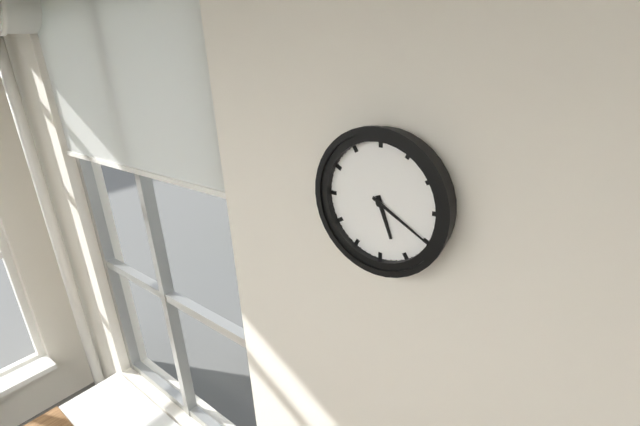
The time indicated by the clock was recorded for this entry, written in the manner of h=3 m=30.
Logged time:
h=5 m=20
